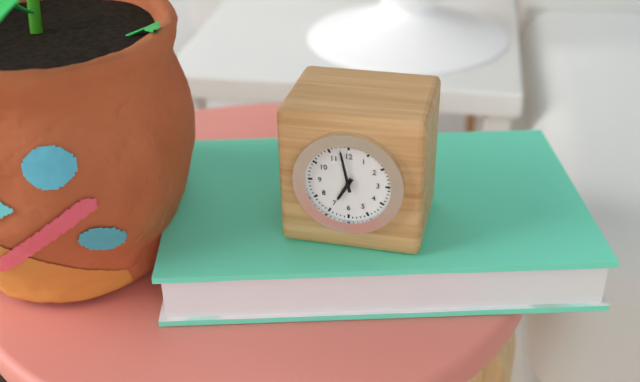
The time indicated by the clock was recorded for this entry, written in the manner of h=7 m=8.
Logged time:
h=6 m=58
